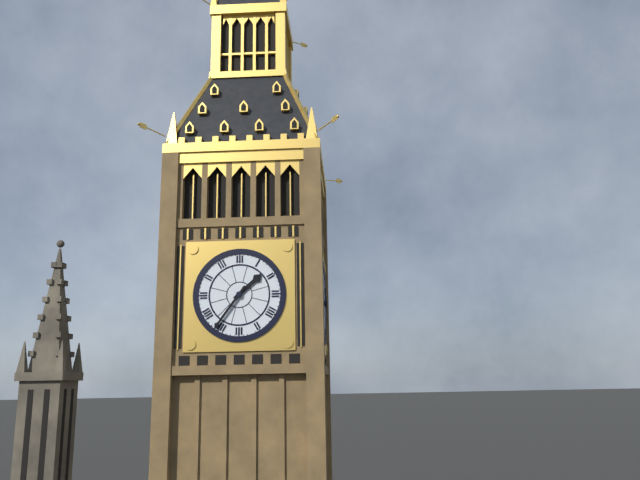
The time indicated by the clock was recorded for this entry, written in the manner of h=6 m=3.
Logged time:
h=1 m=36
